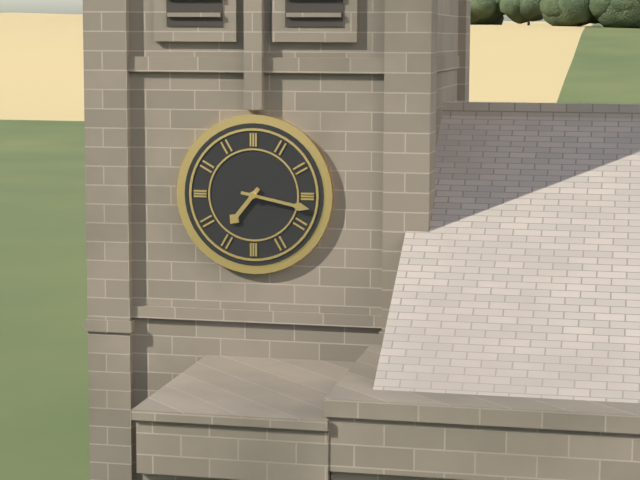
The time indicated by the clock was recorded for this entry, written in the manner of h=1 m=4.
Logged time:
h=7 m=17
